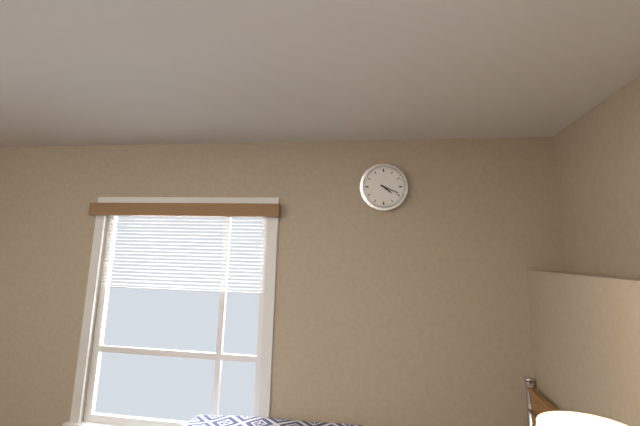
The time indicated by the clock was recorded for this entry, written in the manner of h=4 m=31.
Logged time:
h=4 m=19
